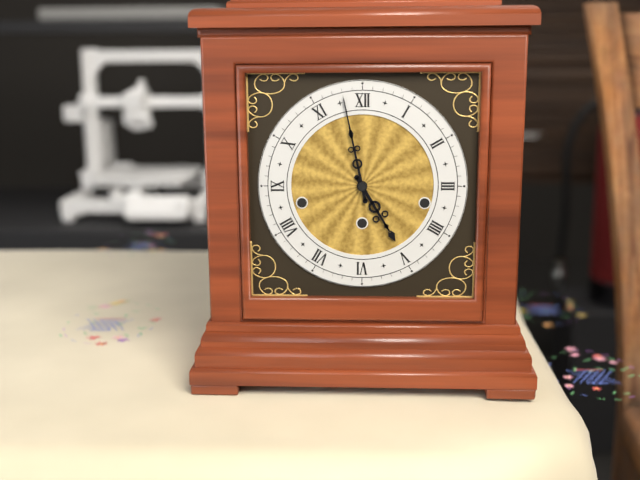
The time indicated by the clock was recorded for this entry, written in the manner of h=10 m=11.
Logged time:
h=4 m=58
